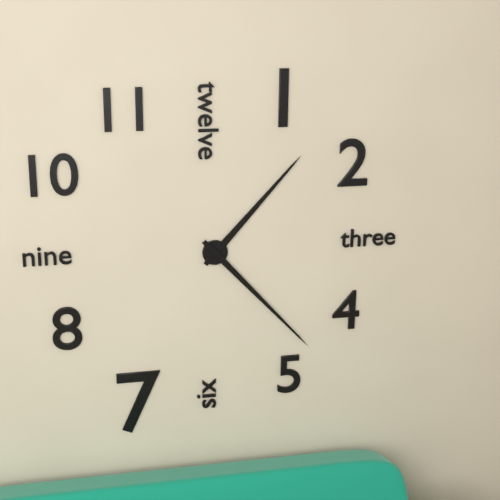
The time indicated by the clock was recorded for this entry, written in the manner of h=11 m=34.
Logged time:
h=1 m=23
